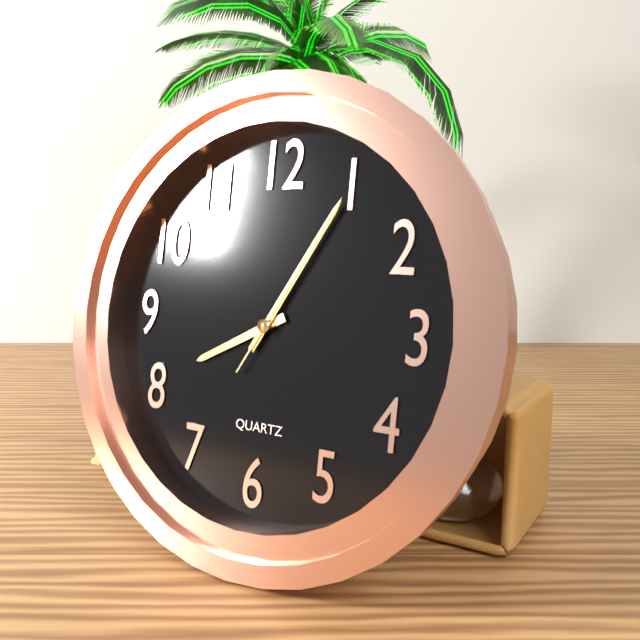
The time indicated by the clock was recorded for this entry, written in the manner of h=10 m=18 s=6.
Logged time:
h=8 m=5 s=5
